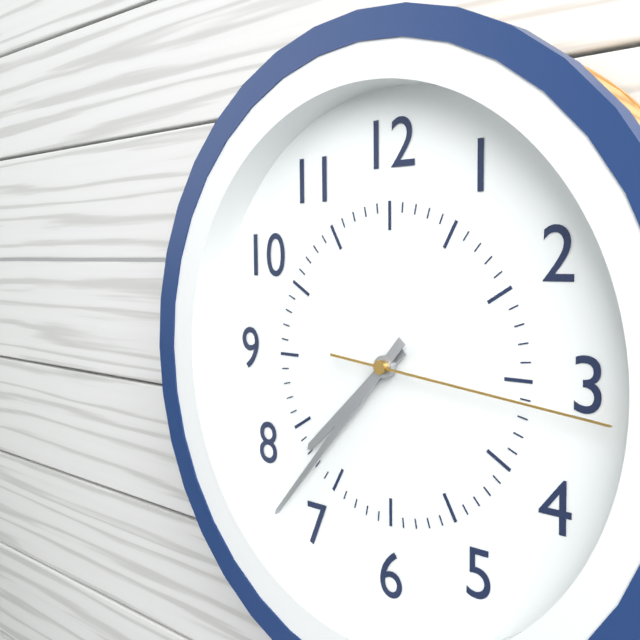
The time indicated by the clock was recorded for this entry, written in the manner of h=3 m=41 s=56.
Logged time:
h=7 m=37 s=16
